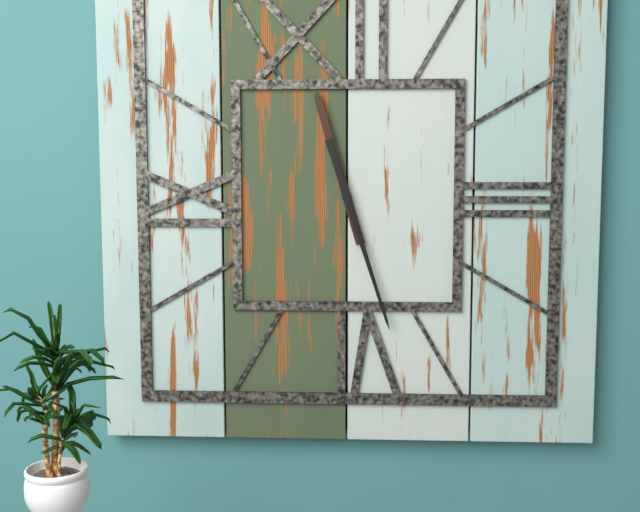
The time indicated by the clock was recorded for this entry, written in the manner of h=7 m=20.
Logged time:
h=11 m=27
